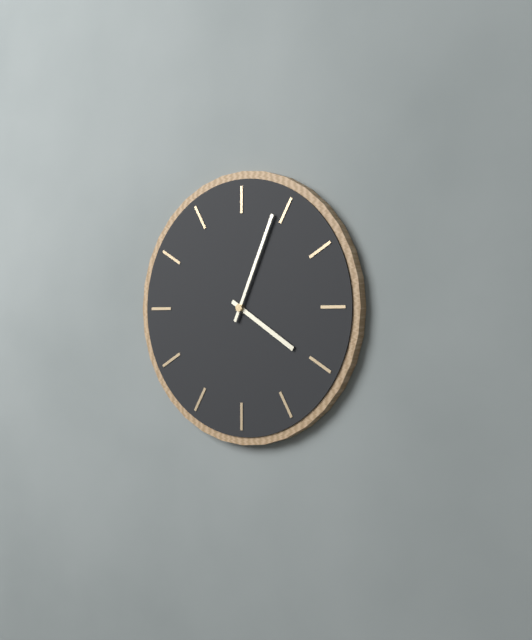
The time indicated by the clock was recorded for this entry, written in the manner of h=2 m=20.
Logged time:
h=4 m=4
